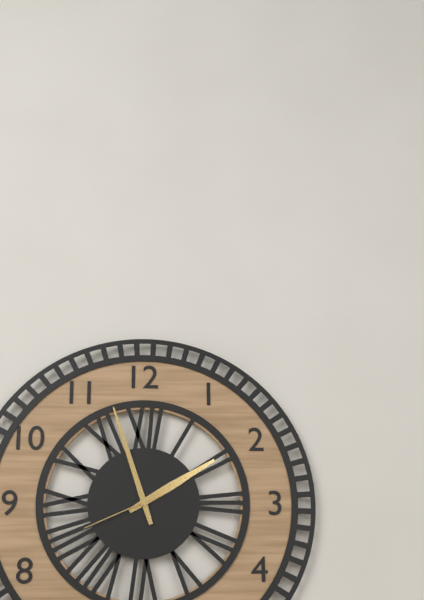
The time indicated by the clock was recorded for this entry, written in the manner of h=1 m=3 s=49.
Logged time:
h=1 m=57 s=41
